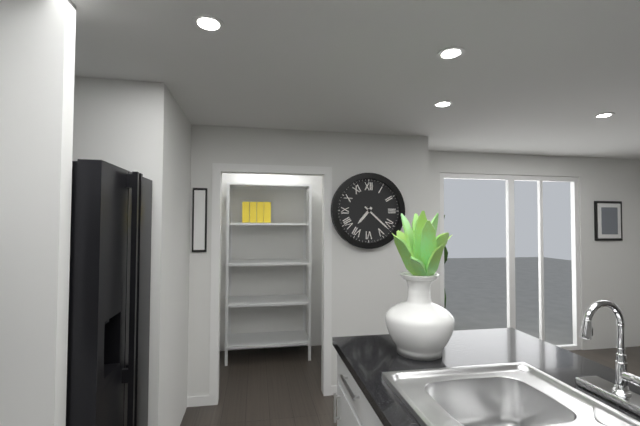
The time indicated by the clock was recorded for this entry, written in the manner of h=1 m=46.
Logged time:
h=7 m=22
